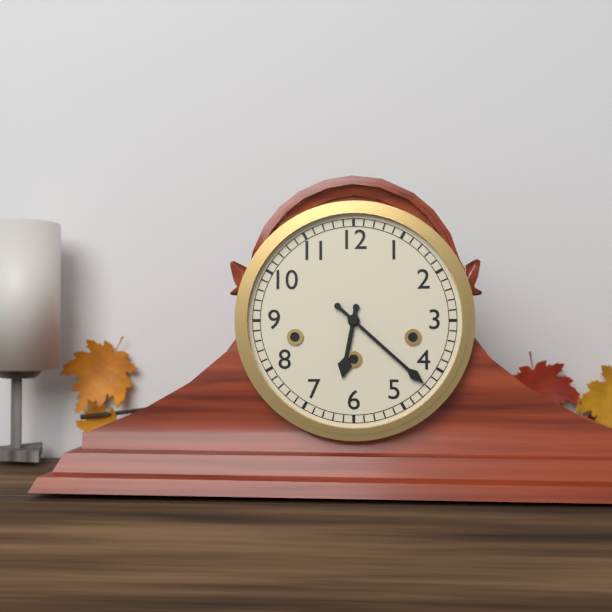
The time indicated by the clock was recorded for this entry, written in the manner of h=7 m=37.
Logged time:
h=6 m=22
